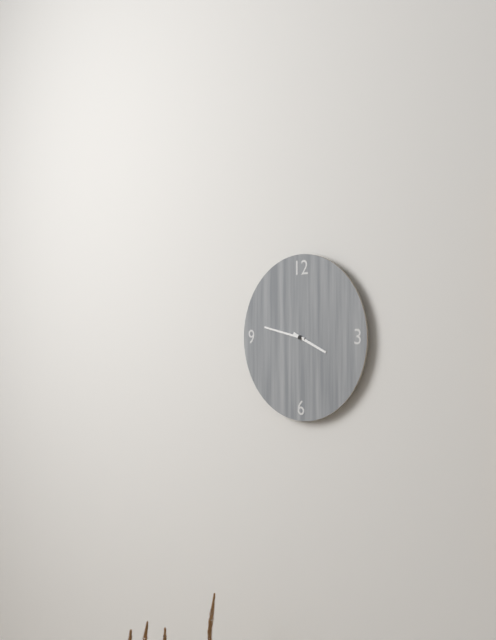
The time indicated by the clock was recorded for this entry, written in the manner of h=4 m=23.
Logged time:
h=3 m=47
